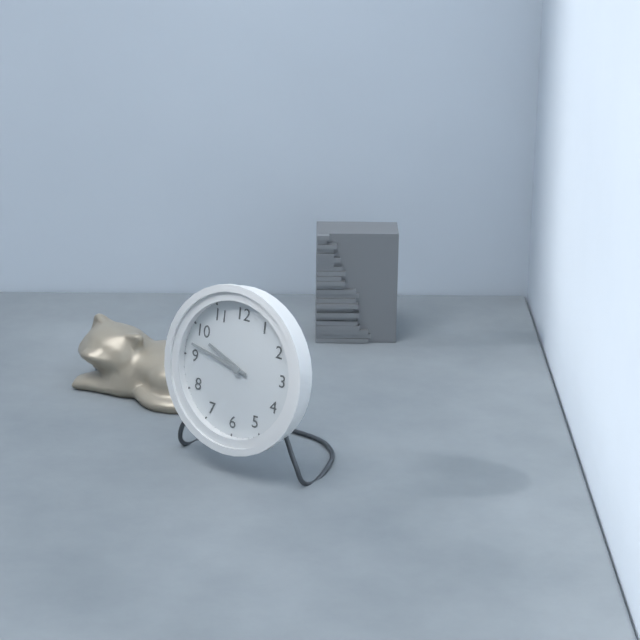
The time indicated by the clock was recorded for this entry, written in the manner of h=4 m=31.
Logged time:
h=9 m=47
